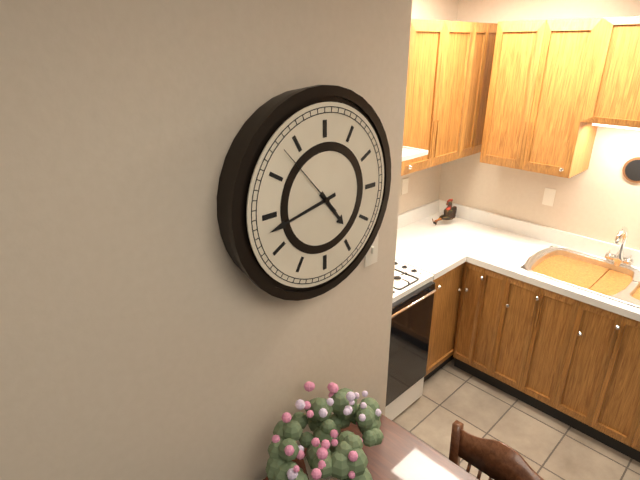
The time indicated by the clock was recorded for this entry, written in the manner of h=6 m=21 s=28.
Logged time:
h=4 m=43 s=53
